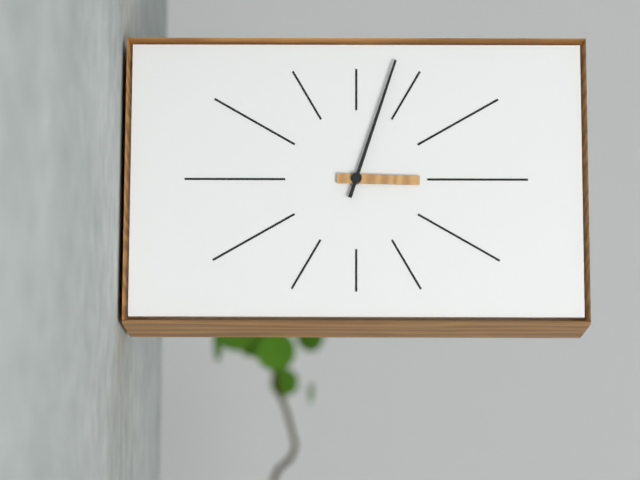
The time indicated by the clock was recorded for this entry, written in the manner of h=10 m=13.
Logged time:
h=3 m=3
